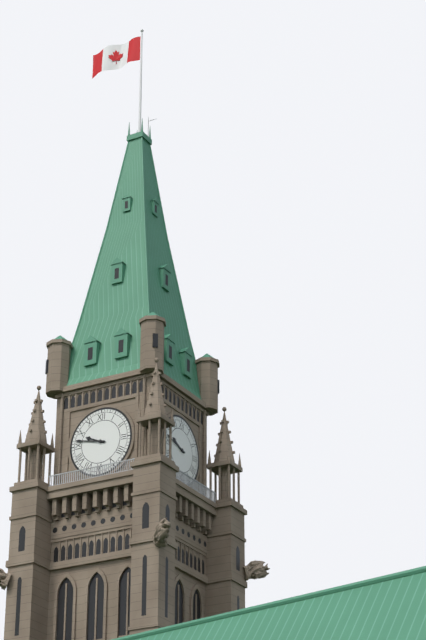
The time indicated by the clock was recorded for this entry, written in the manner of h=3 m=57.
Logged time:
h=9 m=47
